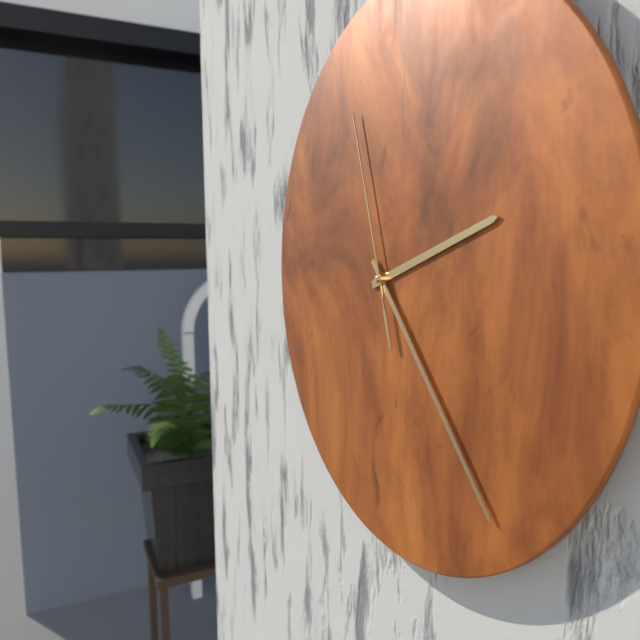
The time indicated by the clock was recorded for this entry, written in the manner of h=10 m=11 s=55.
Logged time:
h=2 m=23 s=57
